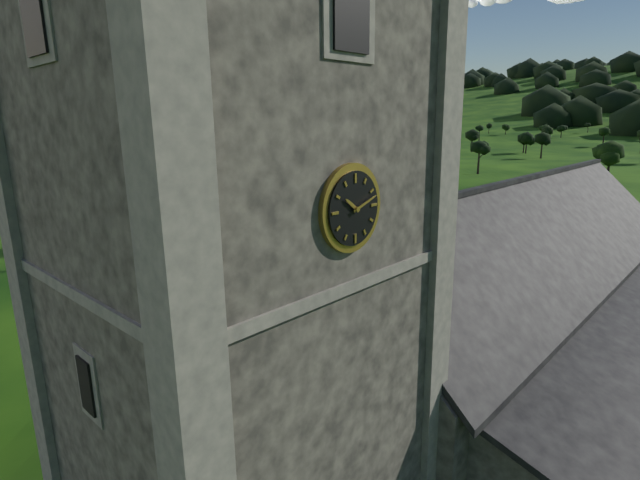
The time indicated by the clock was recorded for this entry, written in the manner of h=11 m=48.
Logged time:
h=10 m=12
